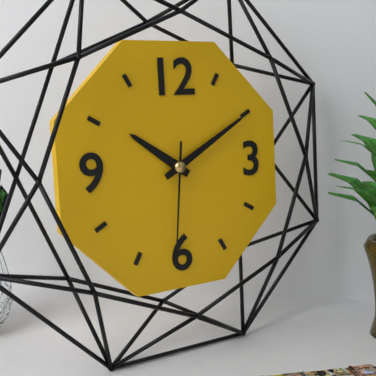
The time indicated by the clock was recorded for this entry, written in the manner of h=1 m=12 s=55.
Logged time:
h=10 m=10 s=31
